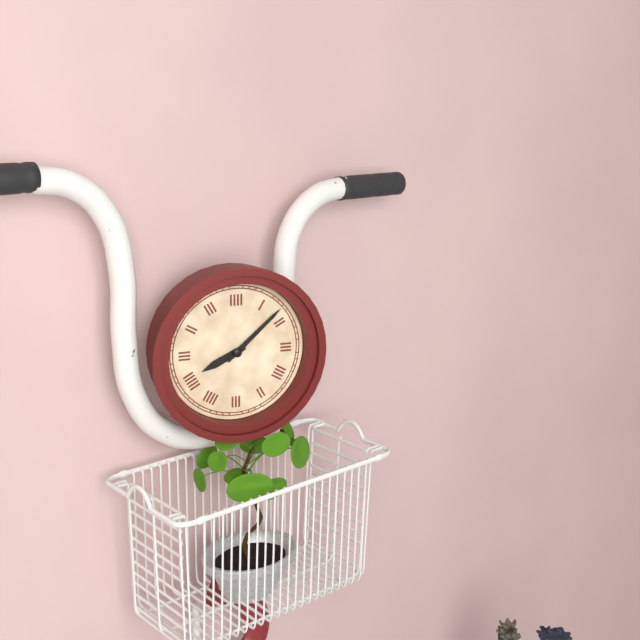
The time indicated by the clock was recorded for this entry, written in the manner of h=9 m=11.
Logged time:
h=8 m=8
